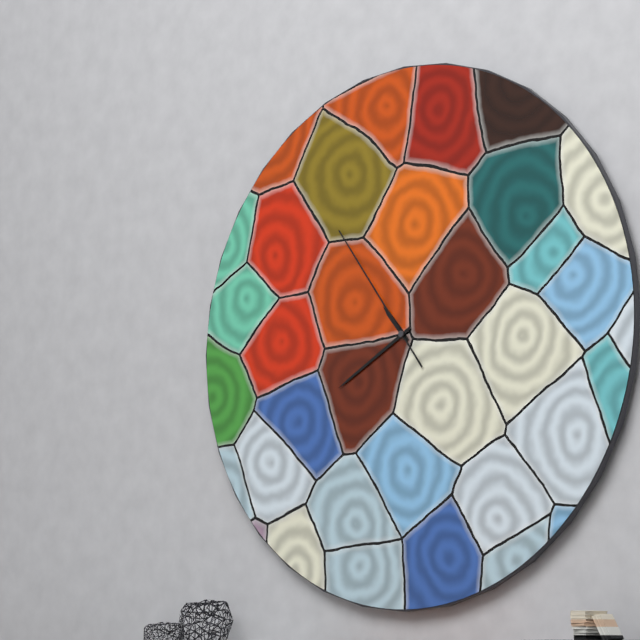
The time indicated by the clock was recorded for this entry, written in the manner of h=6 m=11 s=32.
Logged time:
h=10 m=40 s=54
